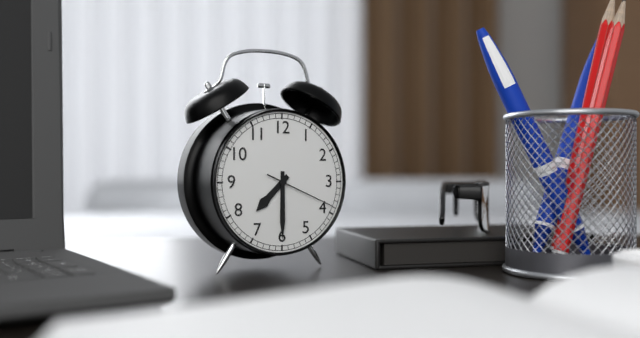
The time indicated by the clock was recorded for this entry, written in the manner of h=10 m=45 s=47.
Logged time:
h=7 m=30 s=19
